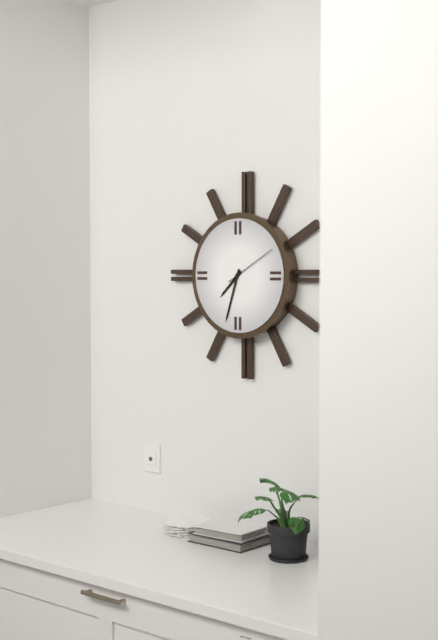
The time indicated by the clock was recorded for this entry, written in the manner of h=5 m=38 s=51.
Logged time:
h=7 m=33 s=10
